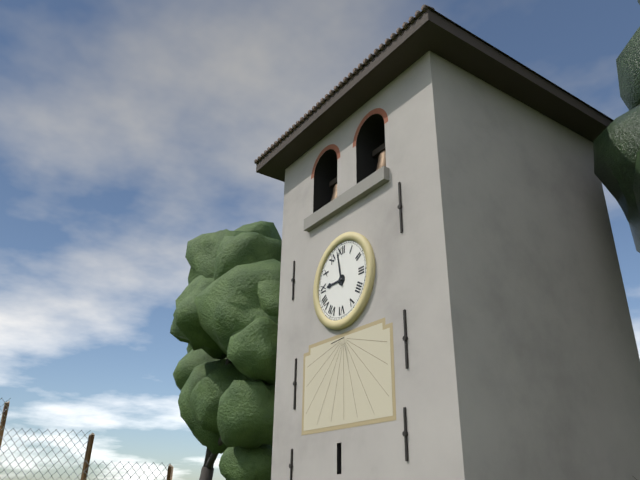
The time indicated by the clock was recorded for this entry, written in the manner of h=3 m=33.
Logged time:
h=8 m=58
